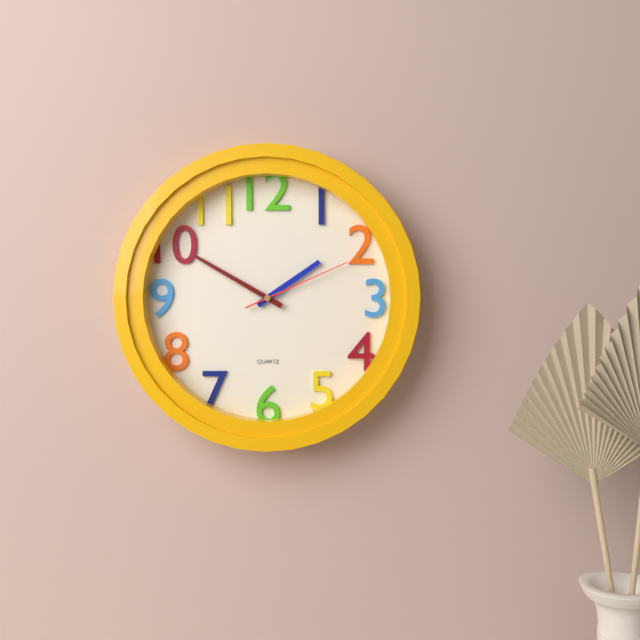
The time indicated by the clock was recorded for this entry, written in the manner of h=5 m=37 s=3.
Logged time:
h=1 m=50 s=11
